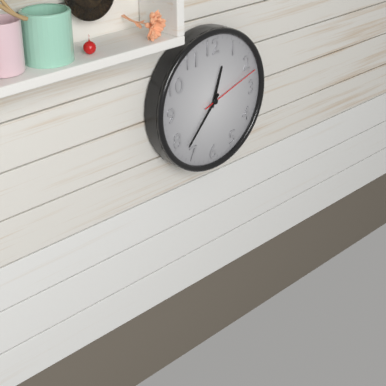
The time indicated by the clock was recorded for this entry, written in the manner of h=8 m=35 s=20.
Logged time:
h=12 m=37 s=12
